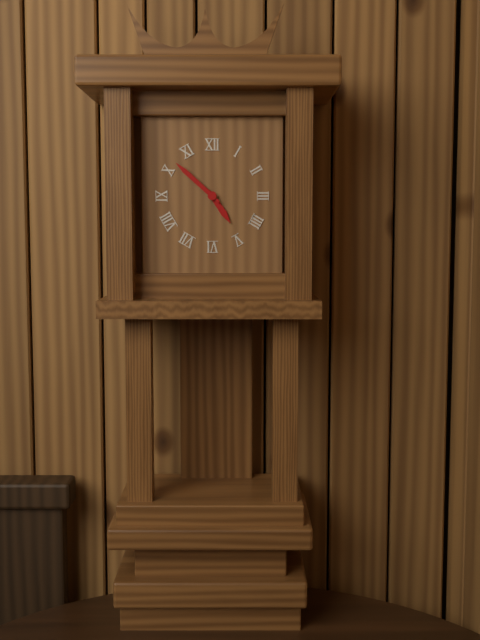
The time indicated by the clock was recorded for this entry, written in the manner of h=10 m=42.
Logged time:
h=4 m=52
